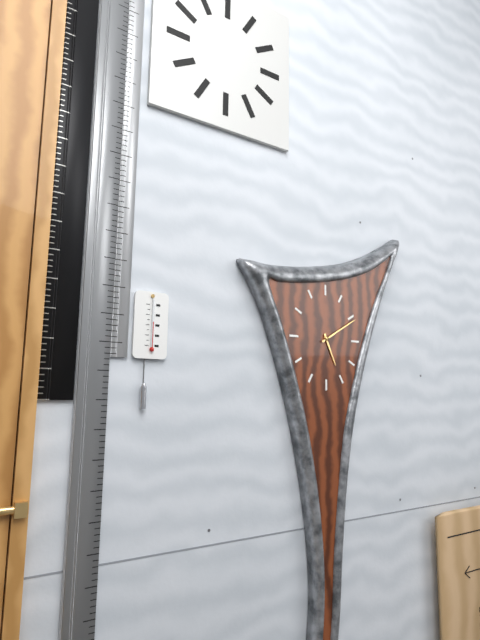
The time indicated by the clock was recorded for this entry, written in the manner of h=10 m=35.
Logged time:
h=5 m=10
